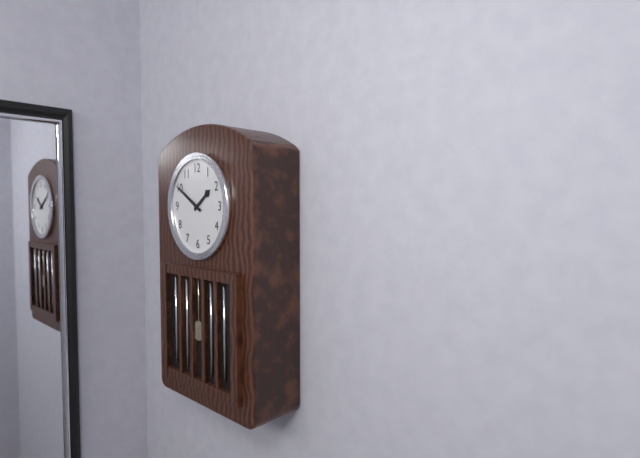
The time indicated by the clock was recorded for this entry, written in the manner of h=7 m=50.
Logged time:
h=1 m=50
